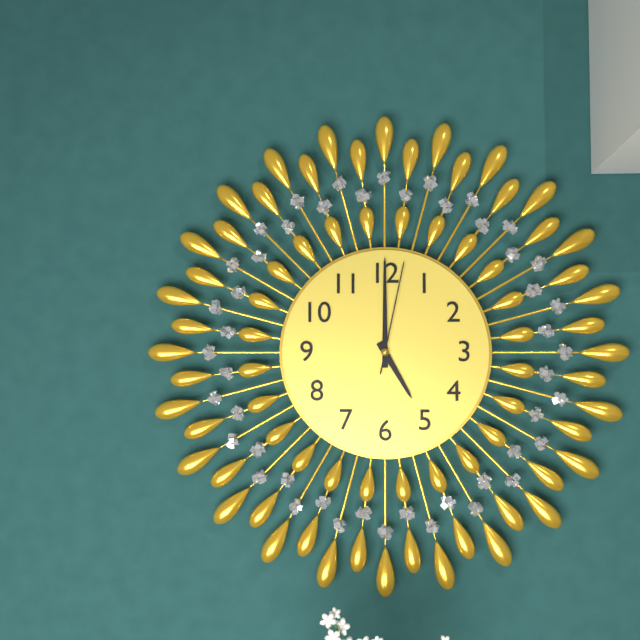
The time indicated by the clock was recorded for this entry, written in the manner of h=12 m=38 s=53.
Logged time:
h=5 m=0 s=2
